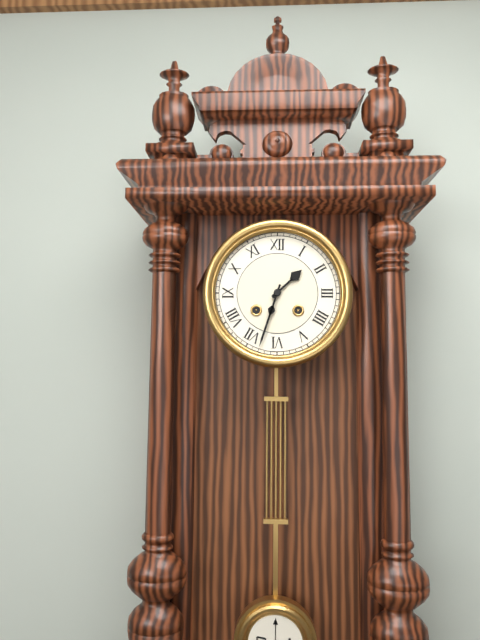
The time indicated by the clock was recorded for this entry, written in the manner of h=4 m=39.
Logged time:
h=1 m=33
